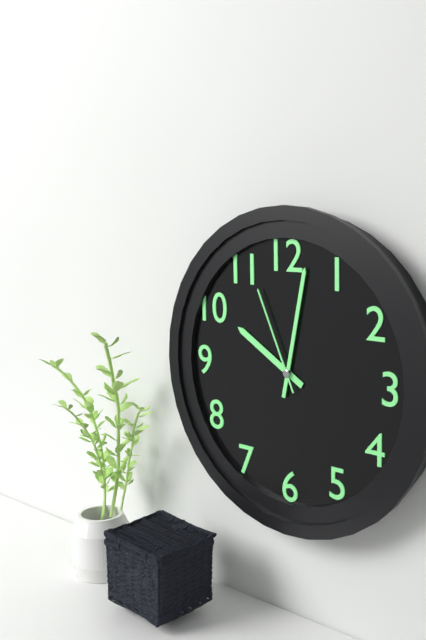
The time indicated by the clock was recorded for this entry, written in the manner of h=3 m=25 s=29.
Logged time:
h=10 m=2 s=56
